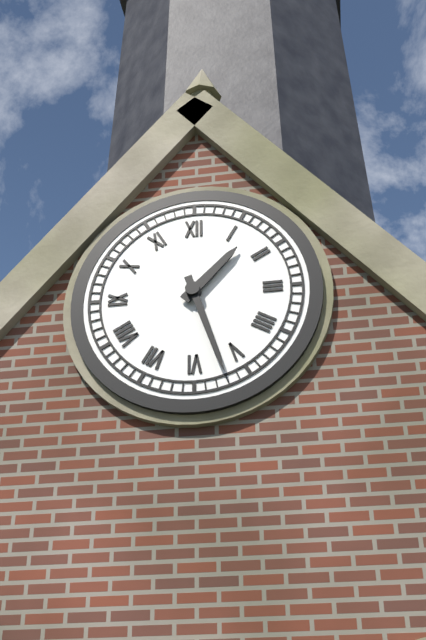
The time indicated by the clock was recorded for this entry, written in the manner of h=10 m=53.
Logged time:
h=1 m=27
